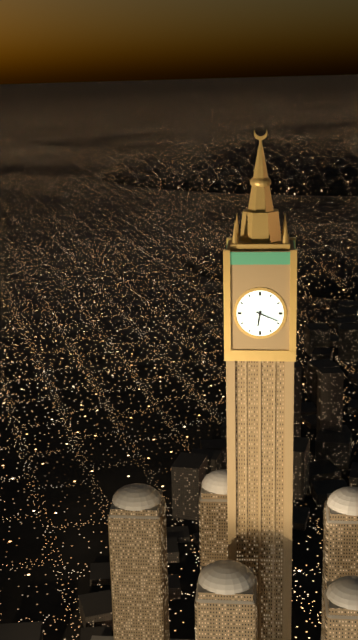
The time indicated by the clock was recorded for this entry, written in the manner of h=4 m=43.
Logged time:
h=6 m=19
